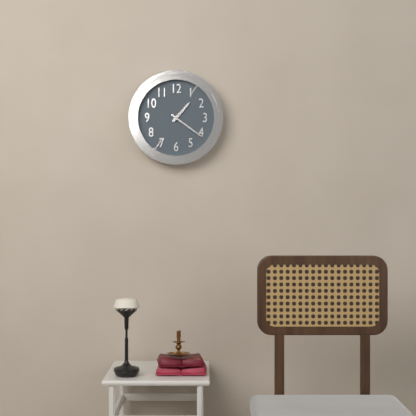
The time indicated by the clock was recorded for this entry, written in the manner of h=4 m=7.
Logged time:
h=1 m=21
